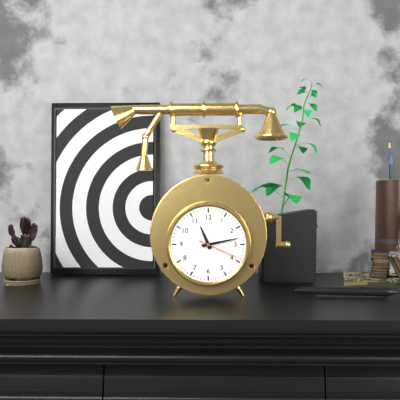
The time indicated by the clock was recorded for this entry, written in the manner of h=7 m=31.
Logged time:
h=11 m=13
